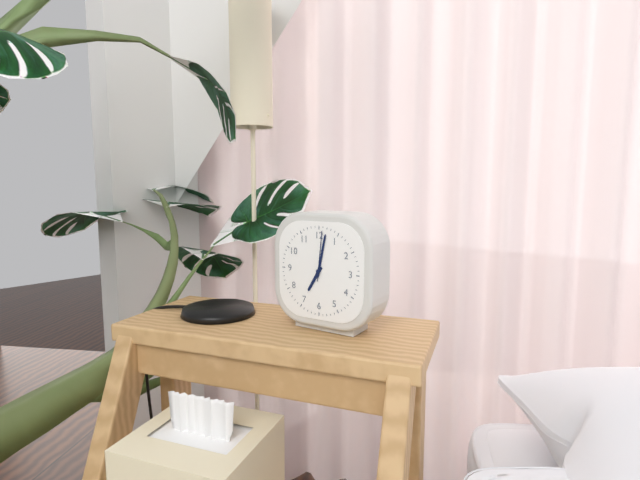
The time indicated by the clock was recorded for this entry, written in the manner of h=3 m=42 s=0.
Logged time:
h=7 m=2 s=1
